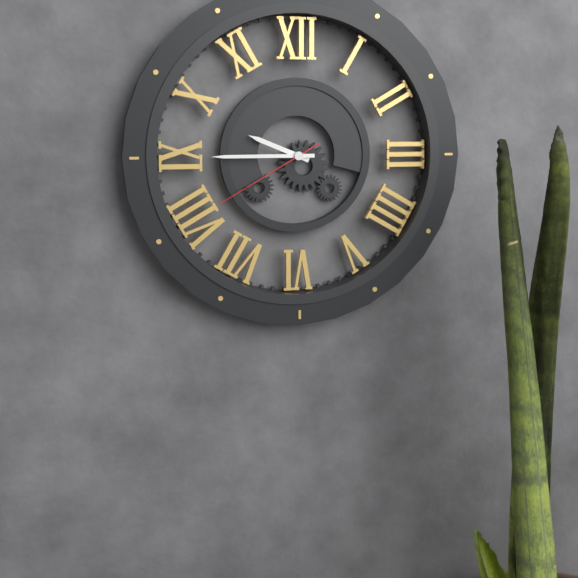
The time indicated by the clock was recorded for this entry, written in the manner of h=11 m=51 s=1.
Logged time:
h=9 m=45 s=40
